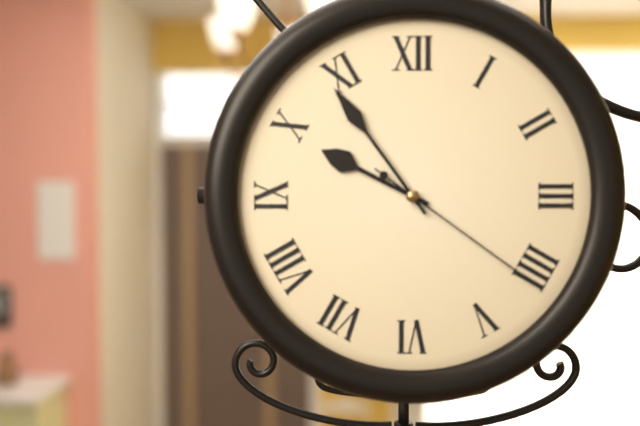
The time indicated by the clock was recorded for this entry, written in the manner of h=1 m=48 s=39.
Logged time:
h=9 m=54 s=21
